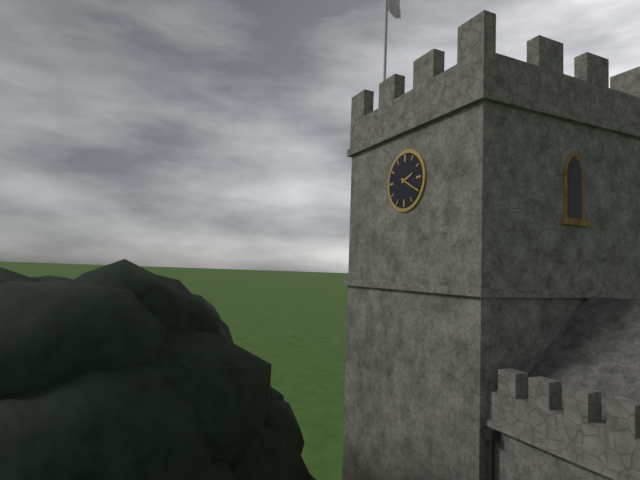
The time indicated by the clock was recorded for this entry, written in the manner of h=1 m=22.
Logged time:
h=2 m=20
